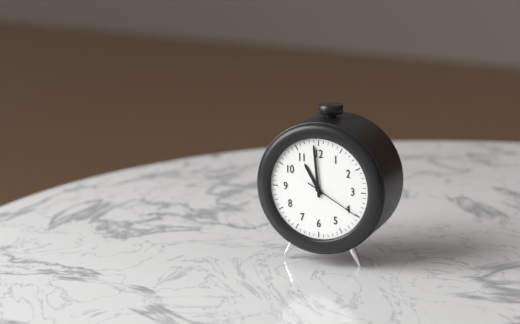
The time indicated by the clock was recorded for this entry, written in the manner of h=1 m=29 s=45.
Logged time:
h=10 m=59 s=20
